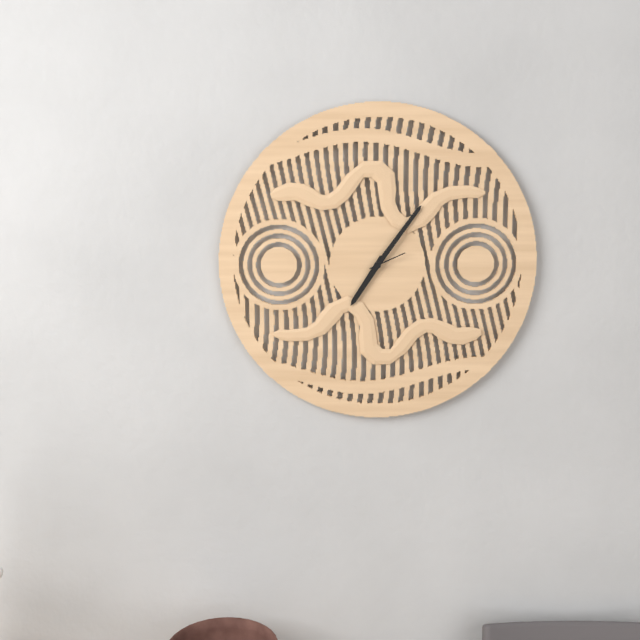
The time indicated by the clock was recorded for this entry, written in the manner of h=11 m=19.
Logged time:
h=7 m=6
